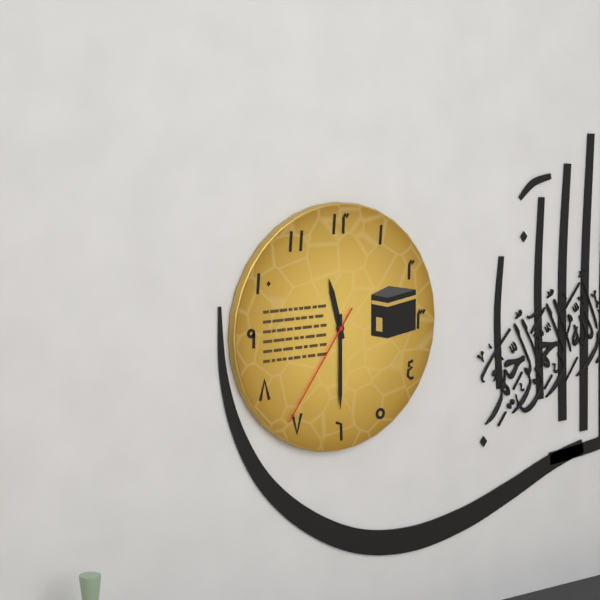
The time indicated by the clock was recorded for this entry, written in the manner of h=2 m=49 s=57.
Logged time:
h=11 m=30 s=36
